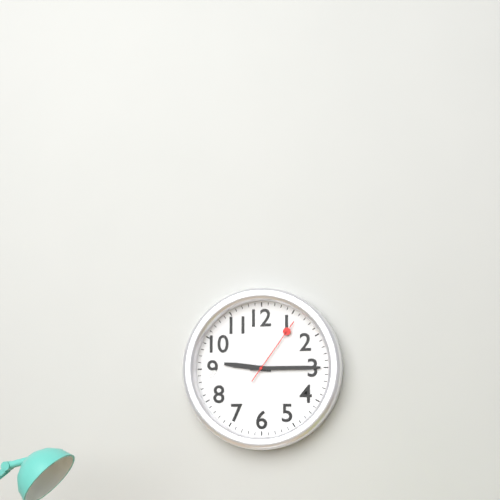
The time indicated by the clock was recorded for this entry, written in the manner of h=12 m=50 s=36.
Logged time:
h=9 m=15 s=6
